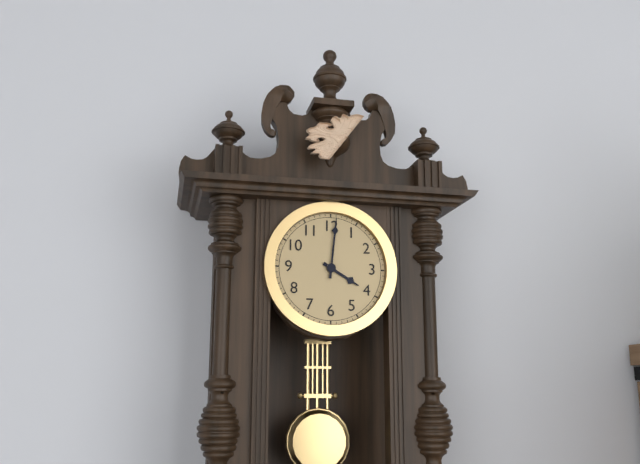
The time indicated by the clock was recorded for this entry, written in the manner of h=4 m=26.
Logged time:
h=4 m=1
